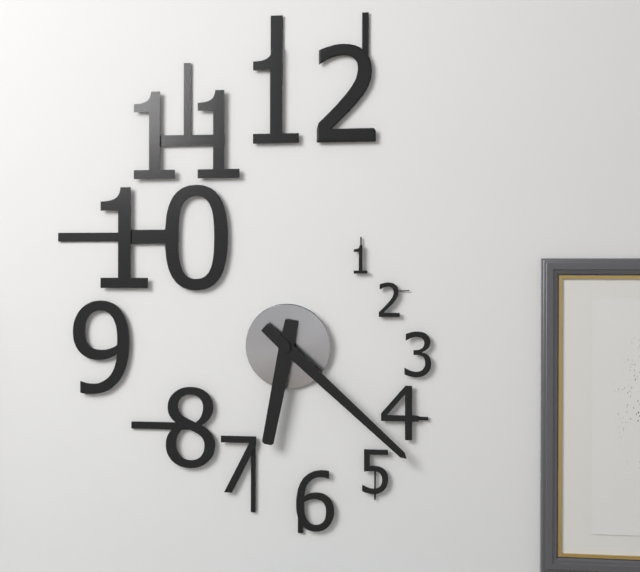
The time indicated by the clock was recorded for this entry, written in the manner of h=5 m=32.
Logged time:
h=6 m=22
